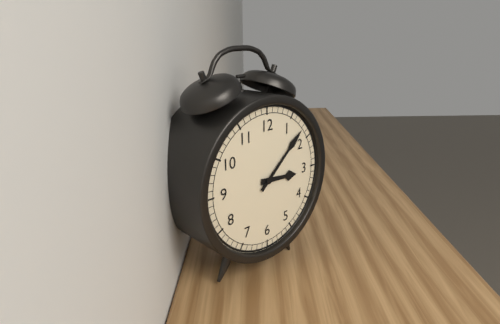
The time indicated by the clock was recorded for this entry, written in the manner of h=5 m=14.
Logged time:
h=3 m=8
